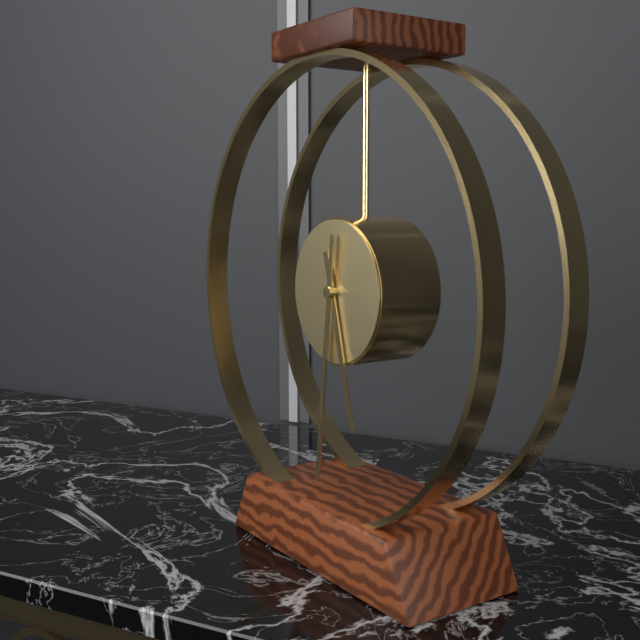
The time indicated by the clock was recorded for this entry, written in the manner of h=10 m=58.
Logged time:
h=5 m=31
